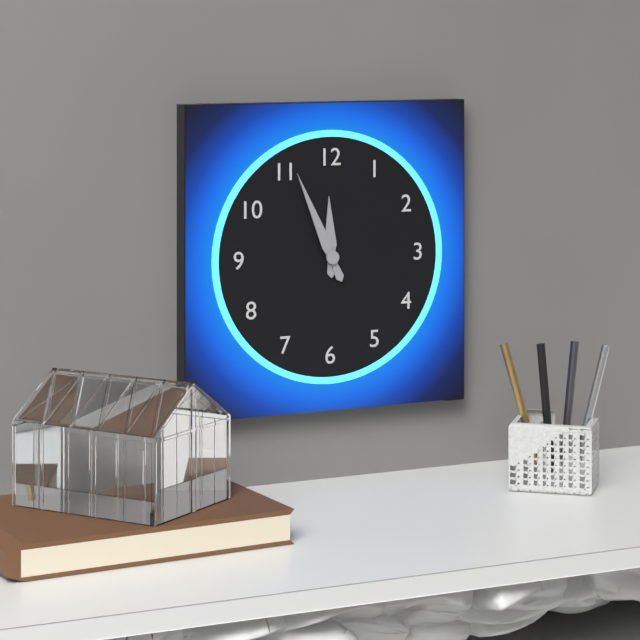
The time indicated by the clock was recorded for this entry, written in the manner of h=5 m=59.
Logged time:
h=11 m=56
